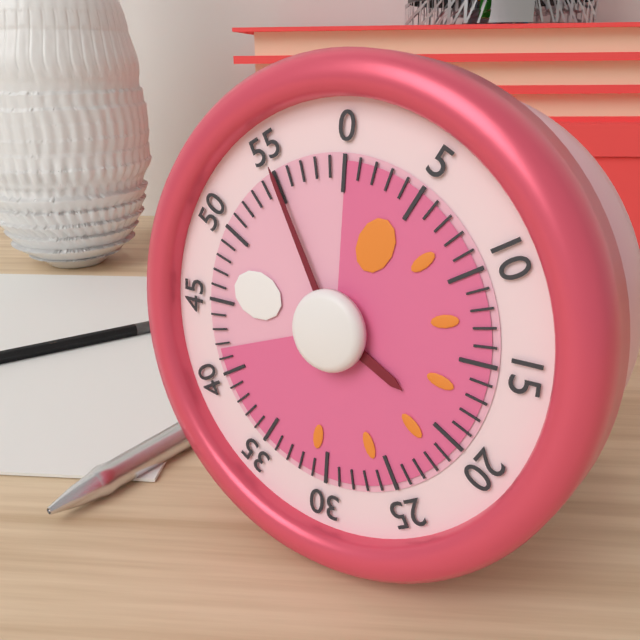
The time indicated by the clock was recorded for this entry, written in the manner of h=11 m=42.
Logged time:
h=3 m=55
